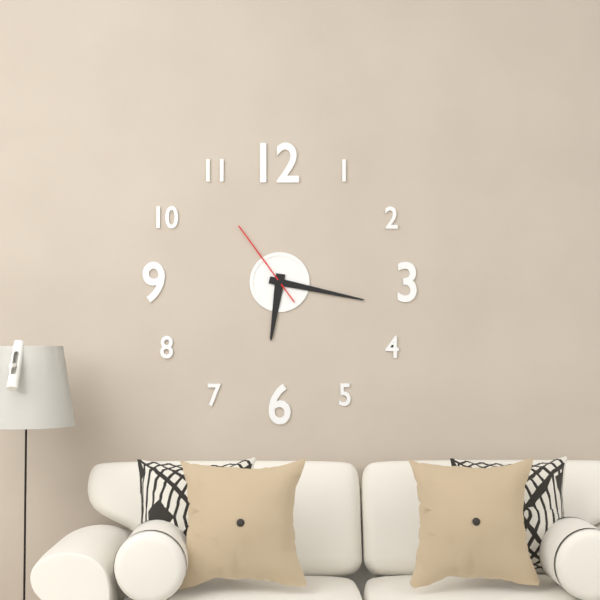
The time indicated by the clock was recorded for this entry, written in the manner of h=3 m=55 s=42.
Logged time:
h=6 m=17 s=54
